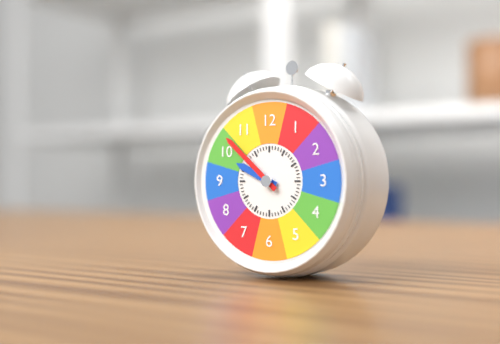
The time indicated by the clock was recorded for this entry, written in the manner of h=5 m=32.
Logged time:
h=9 m=52
